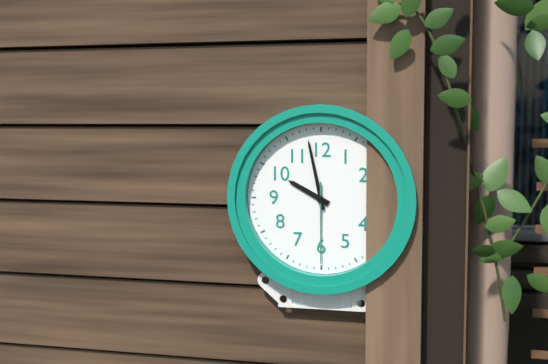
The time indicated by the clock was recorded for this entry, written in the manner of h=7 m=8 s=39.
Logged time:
h=9 m=58 s=30
